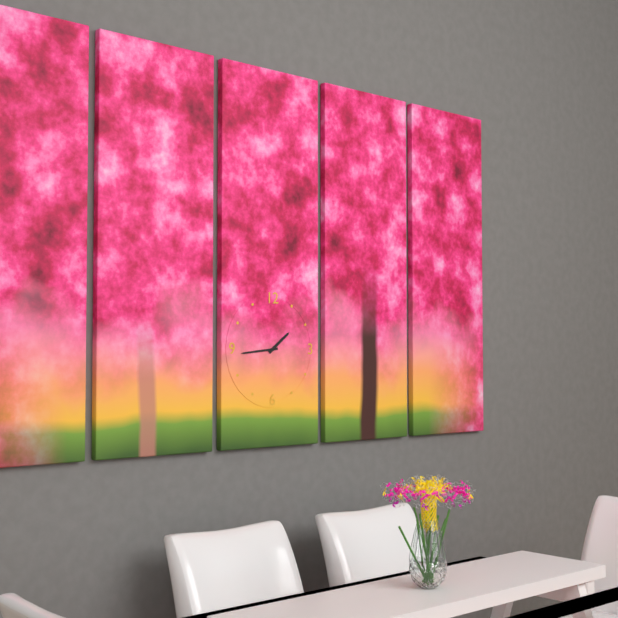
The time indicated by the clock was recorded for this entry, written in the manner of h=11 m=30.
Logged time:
h=1 m=44
